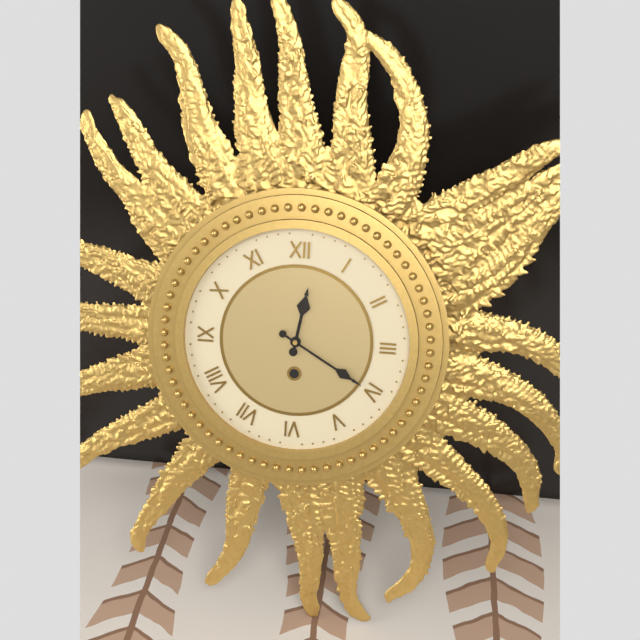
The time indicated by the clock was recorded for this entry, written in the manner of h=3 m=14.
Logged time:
h=12 m=20
